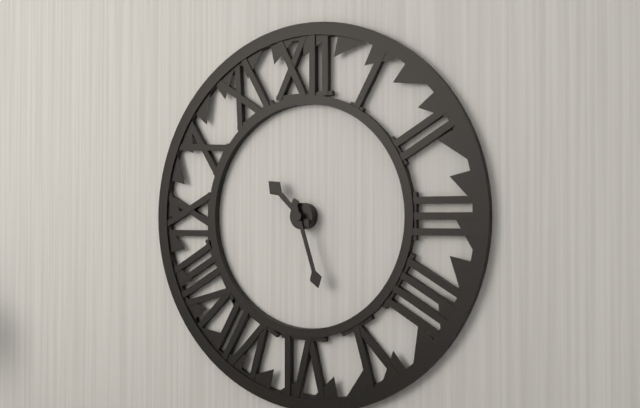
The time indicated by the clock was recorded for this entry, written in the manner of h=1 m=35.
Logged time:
h=10 m=27
